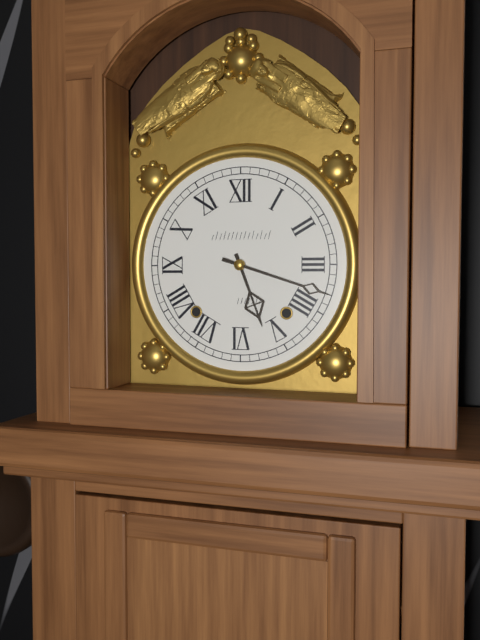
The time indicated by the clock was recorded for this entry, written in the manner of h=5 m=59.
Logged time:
h=5 m=18
